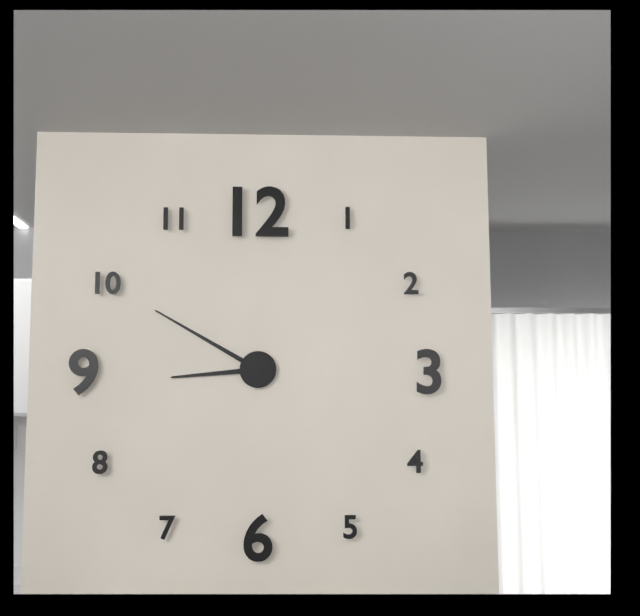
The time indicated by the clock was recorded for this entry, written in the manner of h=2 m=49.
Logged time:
h=8 m=50
